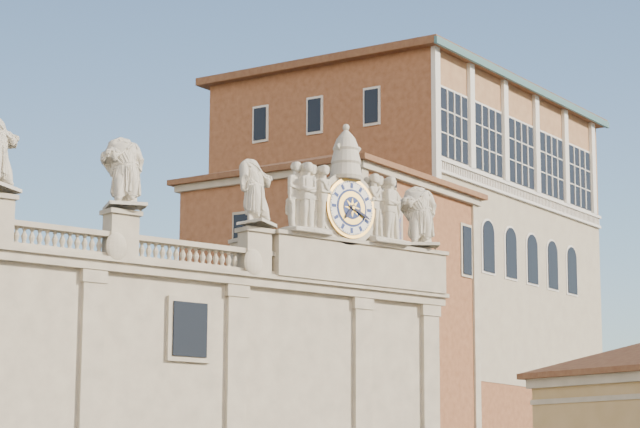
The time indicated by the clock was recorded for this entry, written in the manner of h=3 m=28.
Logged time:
h=7 m=19
